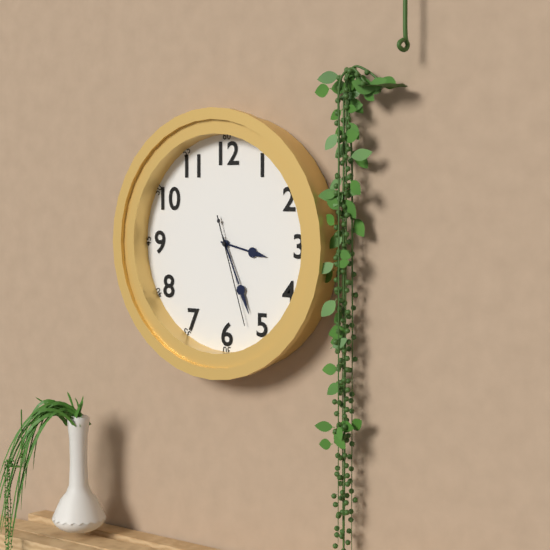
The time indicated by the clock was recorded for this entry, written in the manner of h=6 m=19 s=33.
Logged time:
h=3 m=26 s=27
